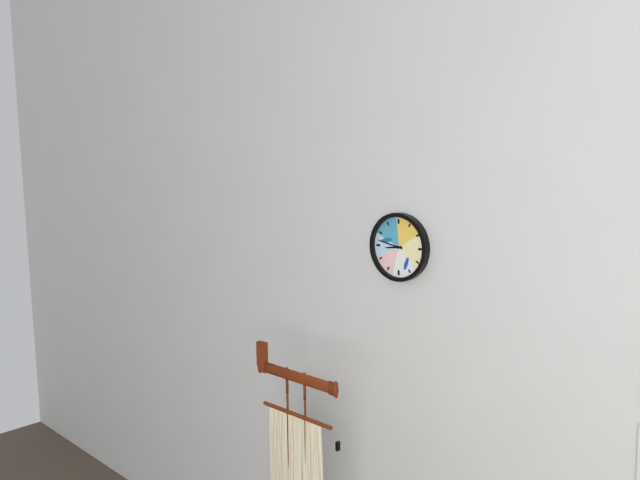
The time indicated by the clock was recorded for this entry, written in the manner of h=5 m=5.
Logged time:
h=8 m=47
